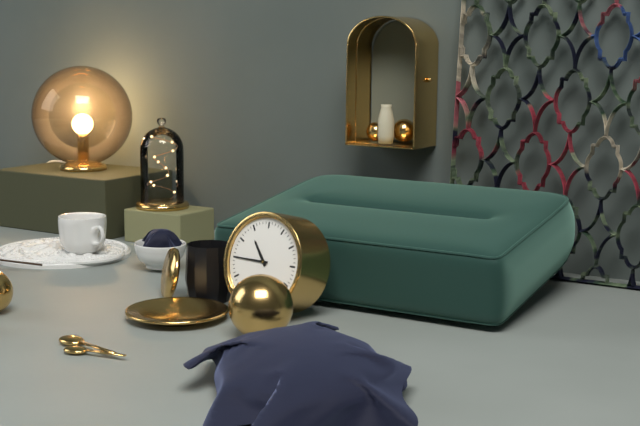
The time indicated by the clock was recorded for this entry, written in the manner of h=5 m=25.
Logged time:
h=10 m=45
